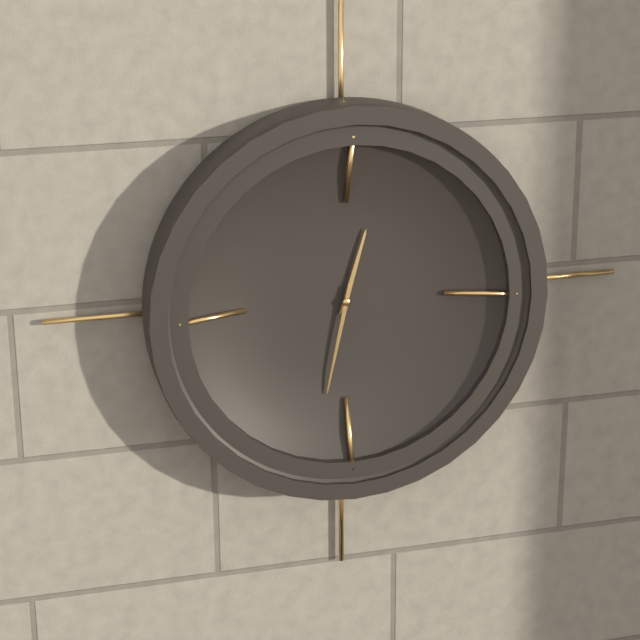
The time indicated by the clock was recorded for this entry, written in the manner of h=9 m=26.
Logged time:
h=12 m=32
